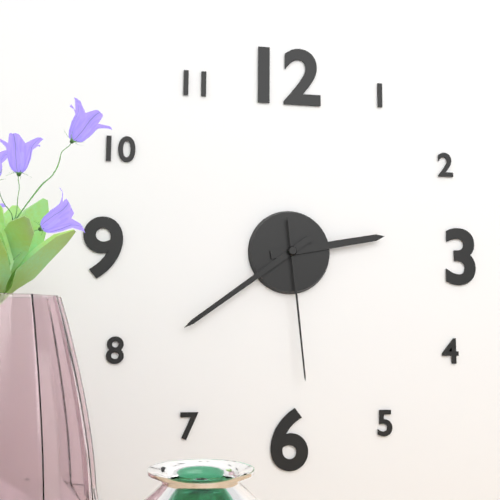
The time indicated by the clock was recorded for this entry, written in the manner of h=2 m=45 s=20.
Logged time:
h=2 m=39 s=29
